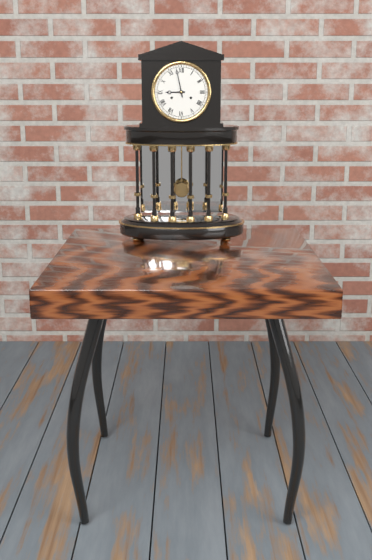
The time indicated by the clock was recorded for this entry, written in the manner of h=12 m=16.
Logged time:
h=8 m=58
